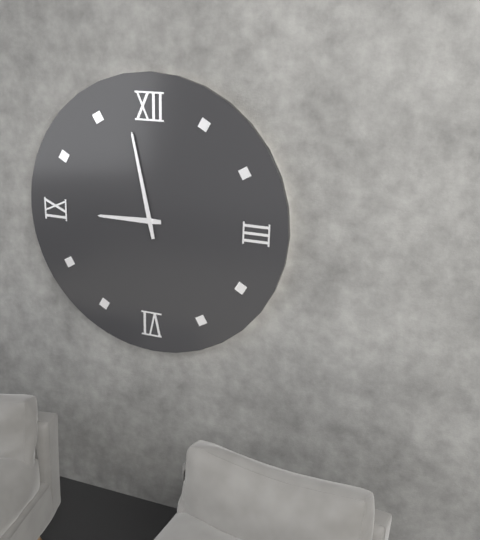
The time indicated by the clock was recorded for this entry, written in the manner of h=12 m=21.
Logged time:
h=8 m=58
